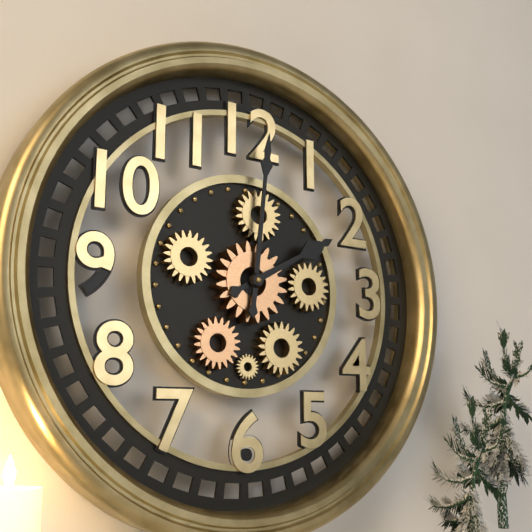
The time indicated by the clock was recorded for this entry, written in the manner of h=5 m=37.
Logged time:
h=2 m=1
